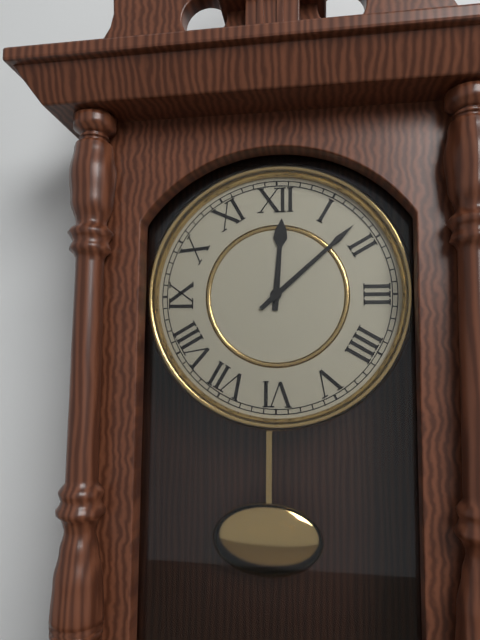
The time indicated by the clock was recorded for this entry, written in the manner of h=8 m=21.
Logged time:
h=12 m=8
